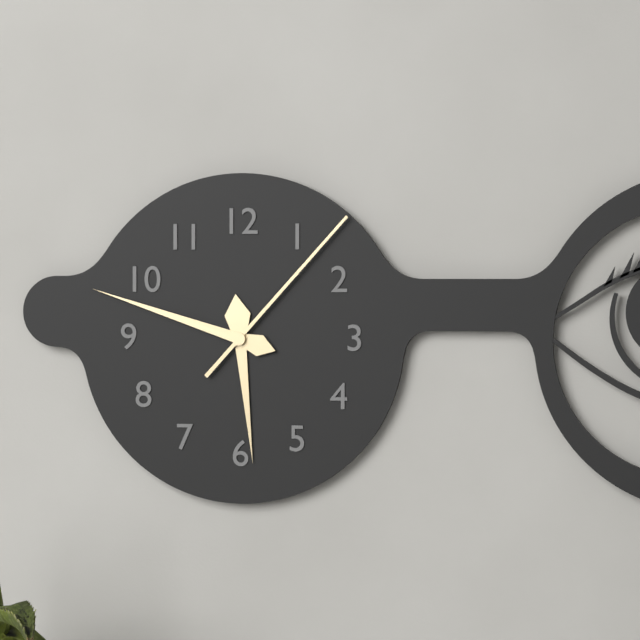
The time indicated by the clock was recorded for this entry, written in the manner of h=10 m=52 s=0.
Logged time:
h=5 m=48 s=7
